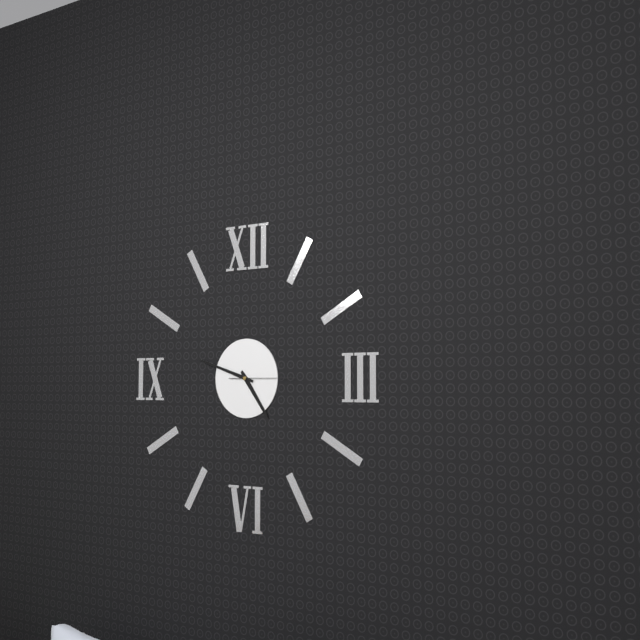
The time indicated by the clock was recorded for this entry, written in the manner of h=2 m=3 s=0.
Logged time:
h=4 m=48 s=15
